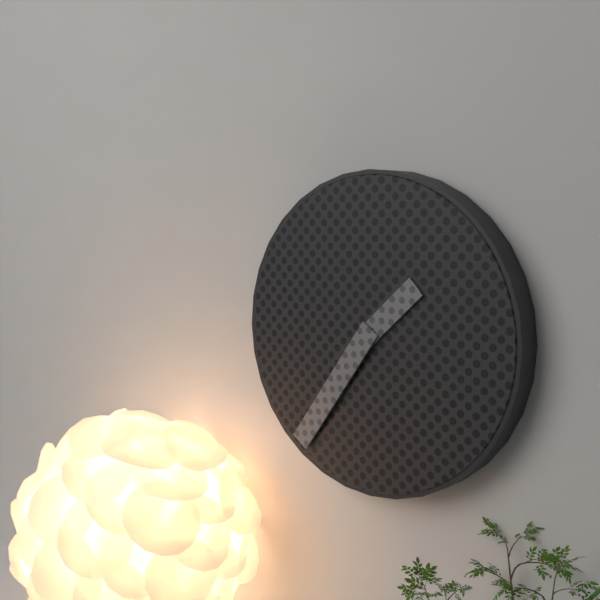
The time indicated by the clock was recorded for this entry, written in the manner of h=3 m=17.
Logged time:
h=1 m=36
